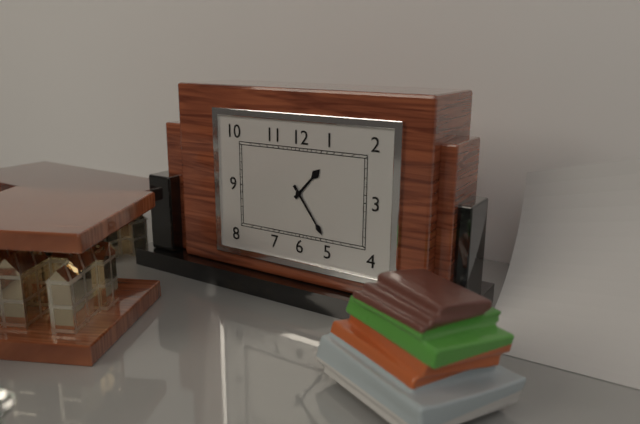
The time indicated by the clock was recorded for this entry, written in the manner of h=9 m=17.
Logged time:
h=1 m=24
